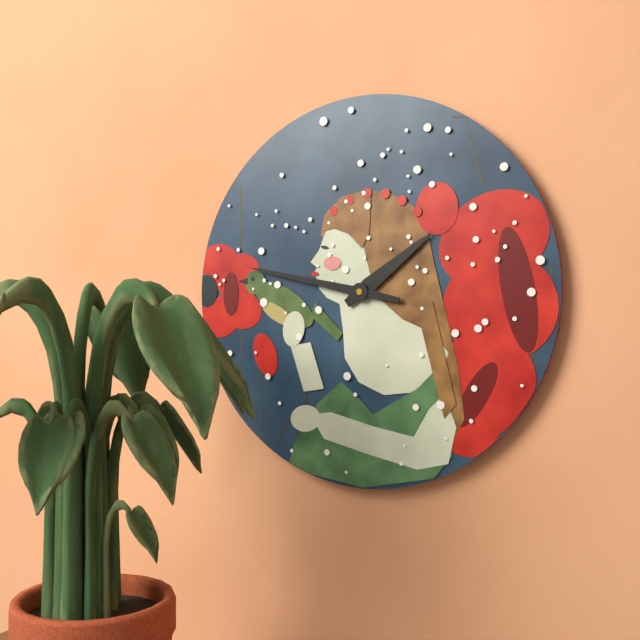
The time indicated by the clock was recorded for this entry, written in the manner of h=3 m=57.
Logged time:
h=1 m=47
